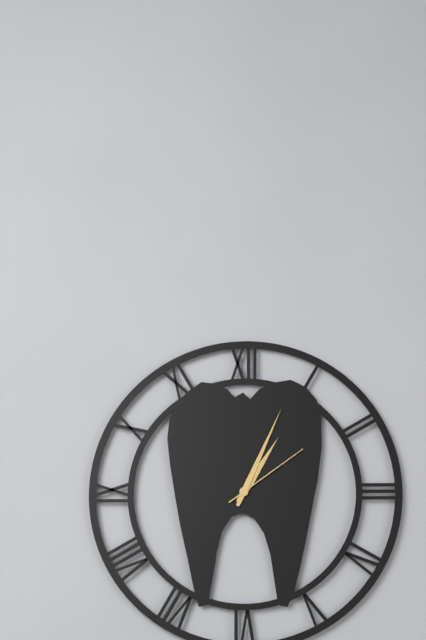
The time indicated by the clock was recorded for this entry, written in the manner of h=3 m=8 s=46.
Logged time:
h=1 m=4 s=9
